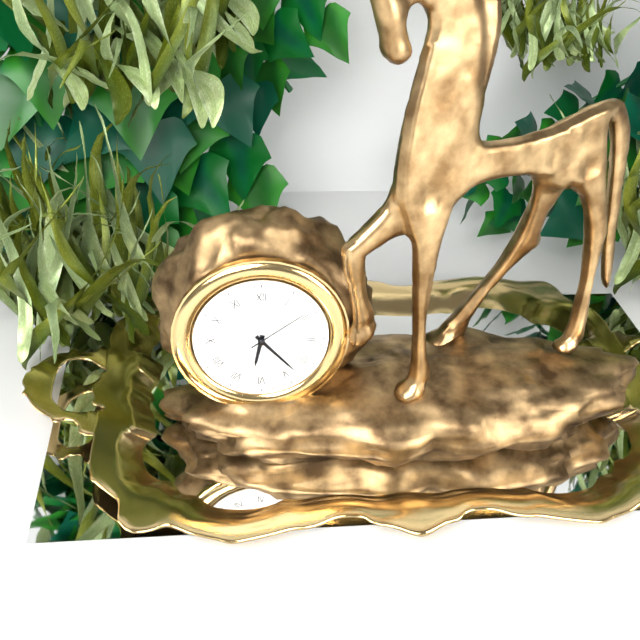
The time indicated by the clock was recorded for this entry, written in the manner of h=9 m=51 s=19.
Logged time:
h=6 m=23 s=9
